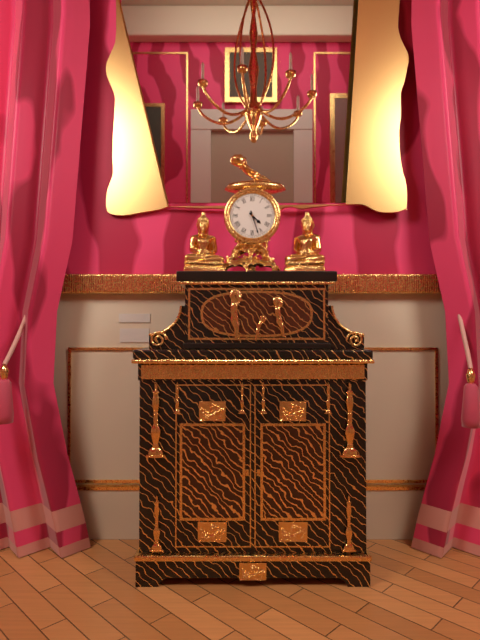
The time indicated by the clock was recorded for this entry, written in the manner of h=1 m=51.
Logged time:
h=4 m=27
